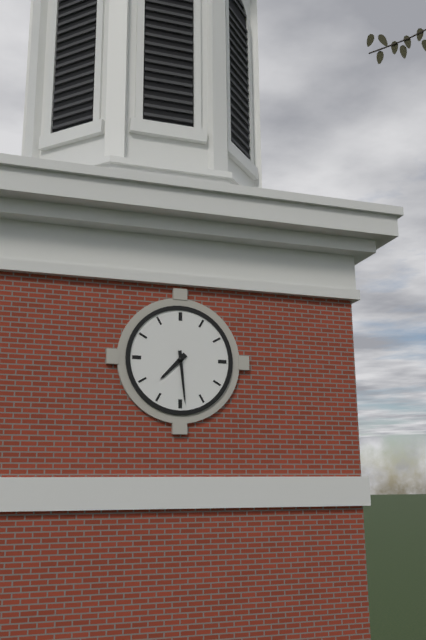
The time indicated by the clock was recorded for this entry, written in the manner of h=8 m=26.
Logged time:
h=7 m=29
